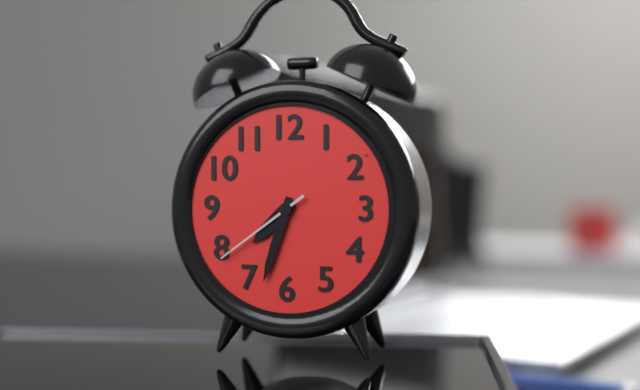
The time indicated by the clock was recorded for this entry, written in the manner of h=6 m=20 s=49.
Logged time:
h=7 m=33 s=39
